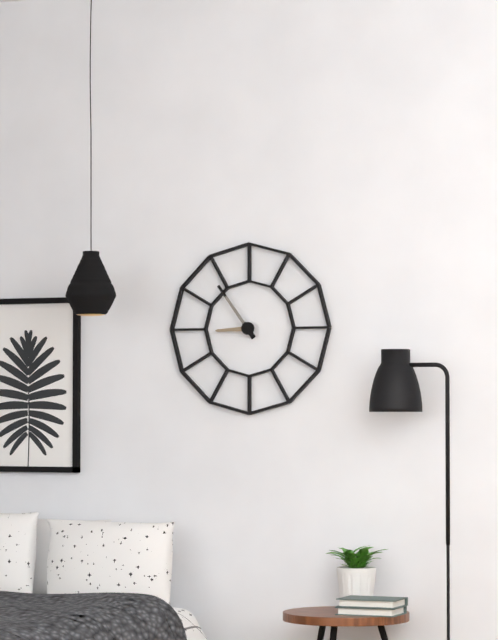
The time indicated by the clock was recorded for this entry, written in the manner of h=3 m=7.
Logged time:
h=8 m=54
